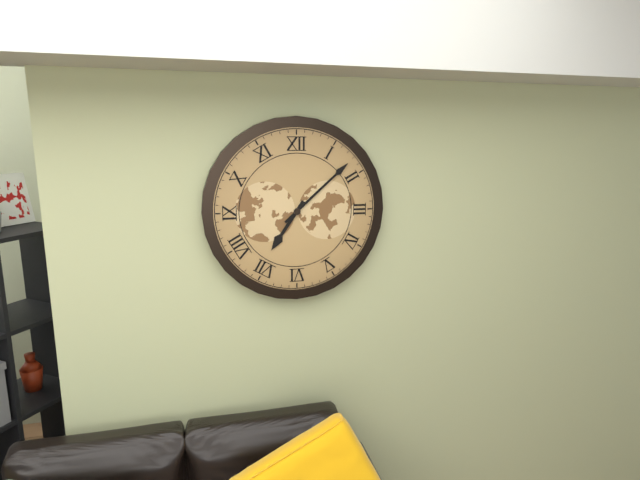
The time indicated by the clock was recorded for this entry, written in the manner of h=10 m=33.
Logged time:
h=7 m=8
